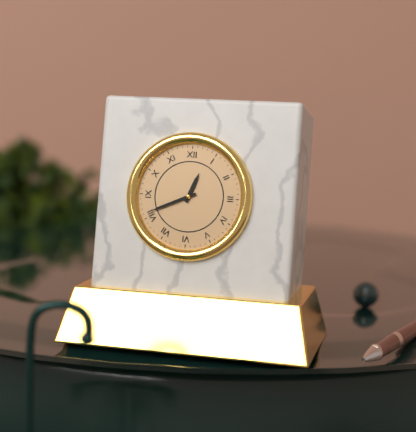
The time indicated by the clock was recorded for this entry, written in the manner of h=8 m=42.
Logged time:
h=12 m=41
